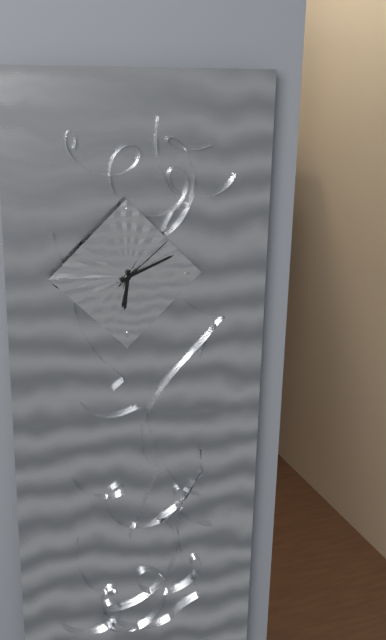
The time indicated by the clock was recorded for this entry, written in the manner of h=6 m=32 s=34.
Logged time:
h=6 m=11 s=8
